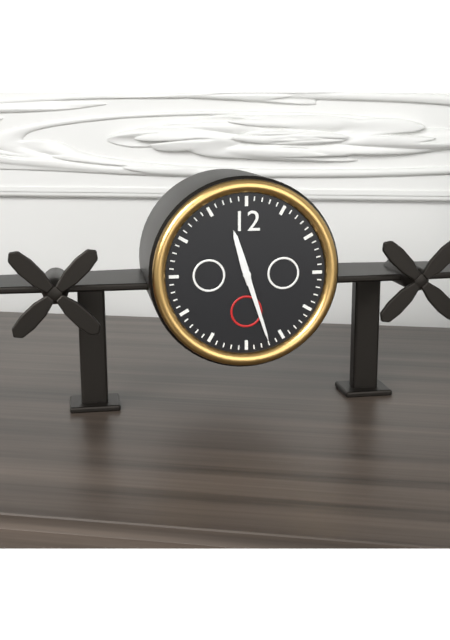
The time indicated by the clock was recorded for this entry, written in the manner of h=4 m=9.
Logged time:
h=11 m=27
